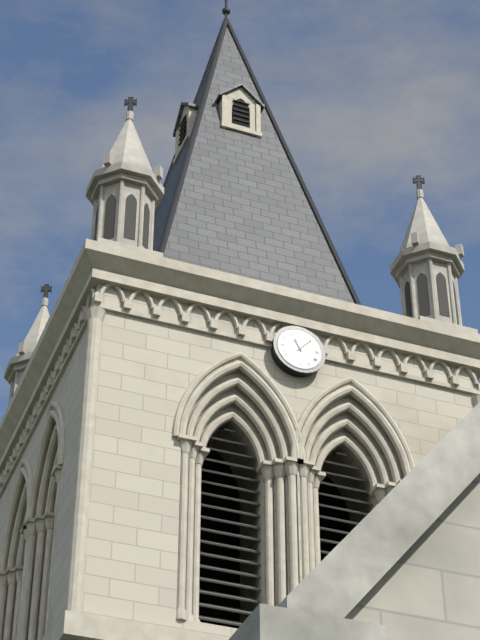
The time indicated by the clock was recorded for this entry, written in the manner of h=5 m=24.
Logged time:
h=11 m=7
